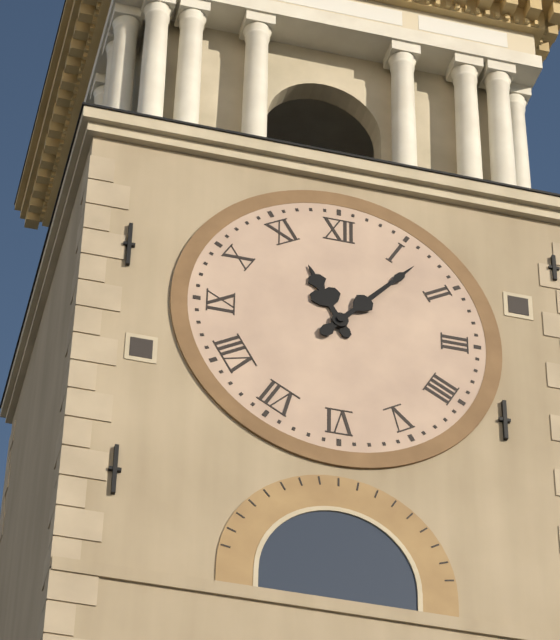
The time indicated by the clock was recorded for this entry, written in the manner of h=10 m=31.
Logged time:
h=11 m=7
